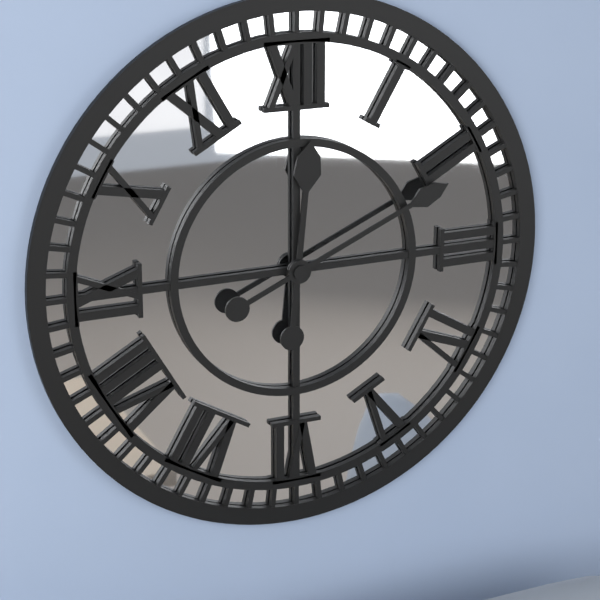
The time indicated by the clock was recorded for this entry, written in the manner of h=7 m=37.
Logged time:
h=12 m=11
